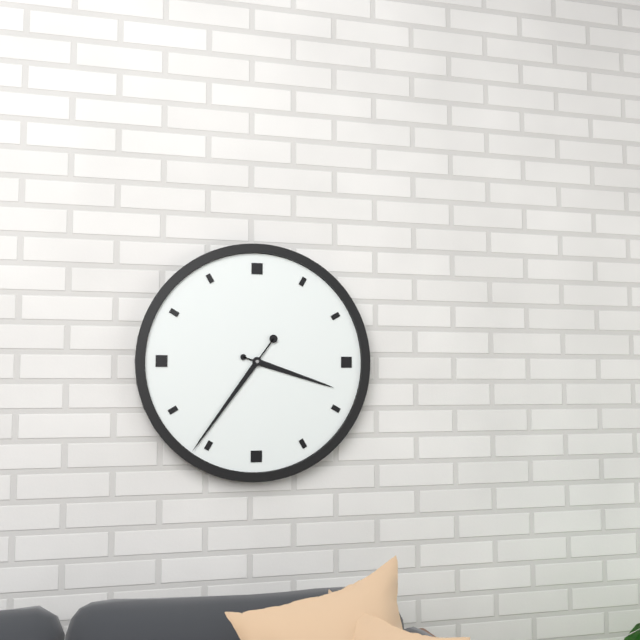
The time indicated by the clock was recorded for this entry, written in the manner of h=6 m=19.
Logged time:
h=3 m=36
